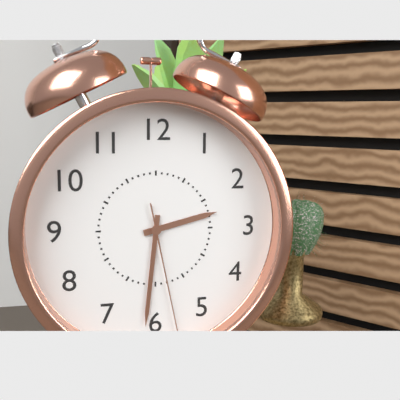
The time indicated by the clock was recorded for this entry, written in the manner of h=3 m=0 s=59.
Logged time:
h=2 m=31 s=28
